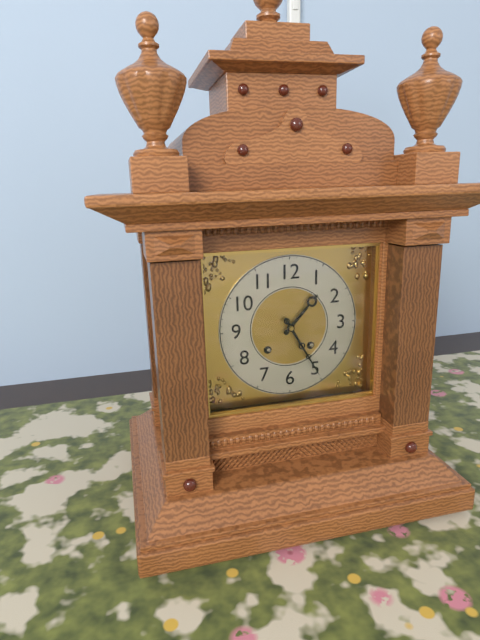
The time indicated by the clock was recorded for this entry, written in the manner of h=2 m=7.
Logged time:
h=1 m=25
